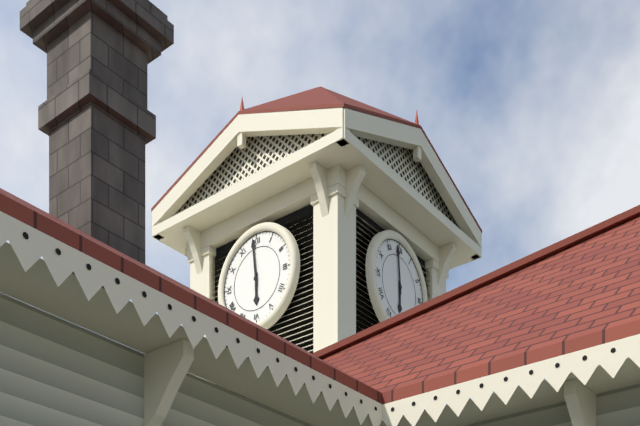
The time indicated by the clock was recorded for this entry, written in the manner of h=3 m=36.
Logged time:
h=5 m=59
